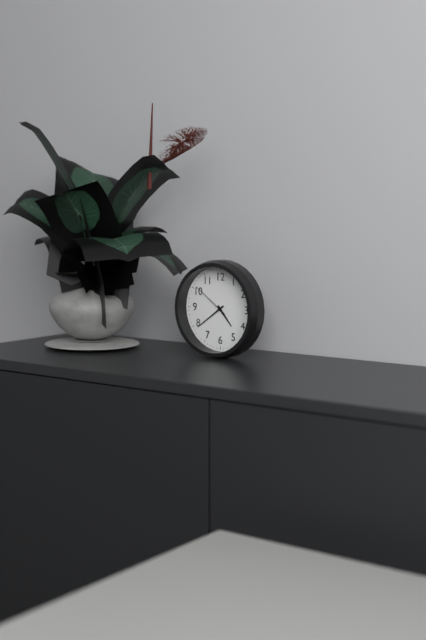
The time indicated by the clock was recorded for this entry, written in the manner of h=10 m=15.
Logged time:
h=4 m=39
